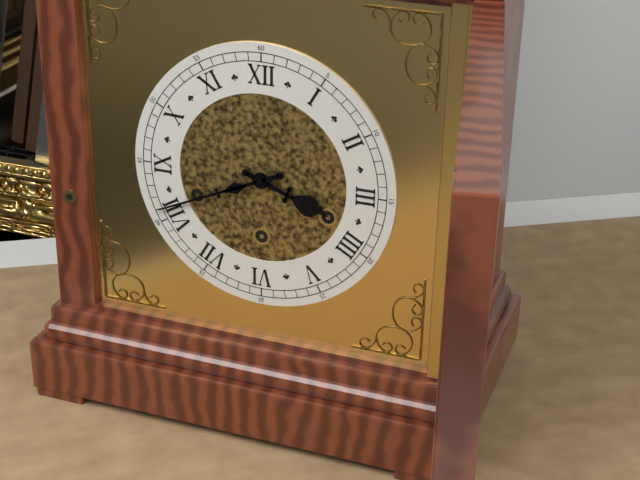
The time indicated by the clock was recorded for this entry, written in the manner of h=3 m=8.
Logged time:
h=3 m=41
